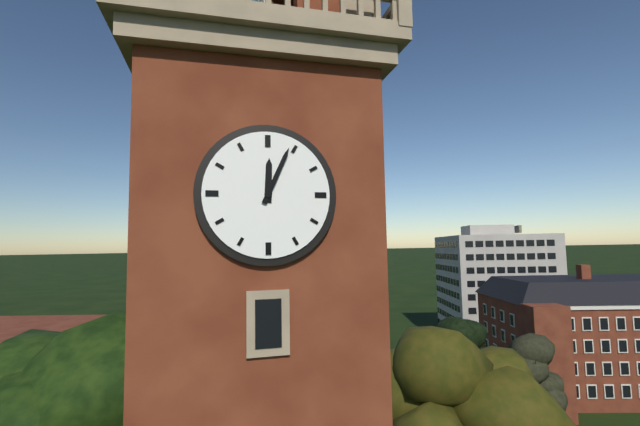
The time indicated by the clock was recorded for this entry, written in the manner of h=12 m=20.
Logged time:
h=12 m=4
